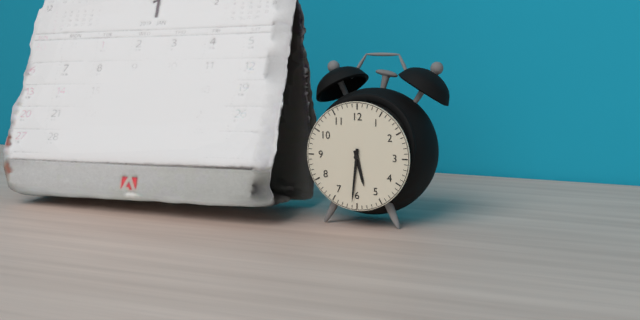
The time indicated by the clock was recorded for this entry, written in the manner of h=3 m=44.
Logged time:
h=5 m=31
